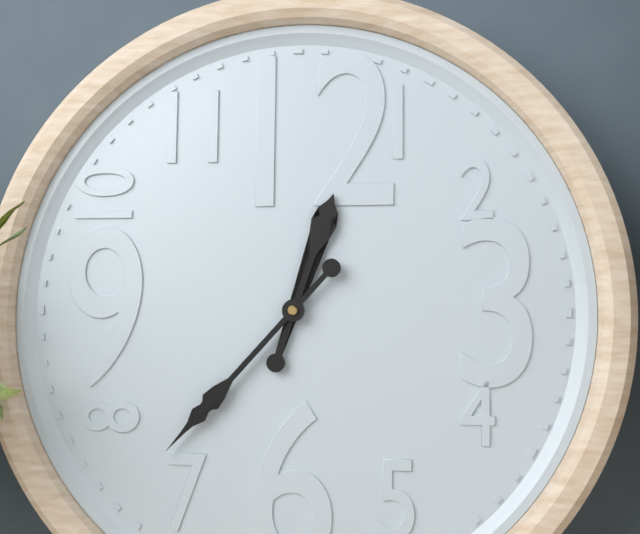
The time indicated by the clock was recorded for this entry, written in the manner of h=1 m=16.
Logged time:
h=12 m=37
